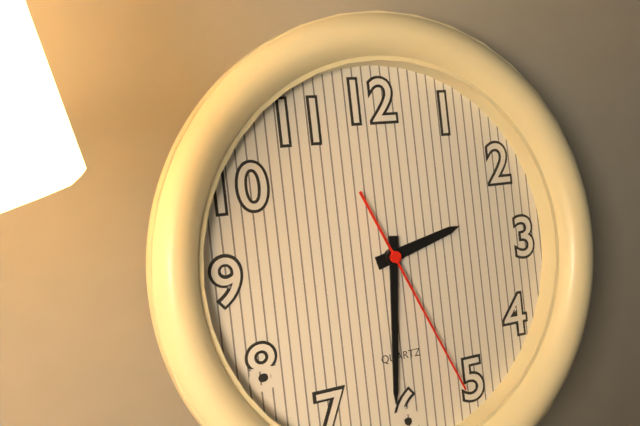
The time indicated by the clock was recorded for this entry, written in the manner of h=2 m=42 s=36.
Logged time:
h=2 m=31 s=26
